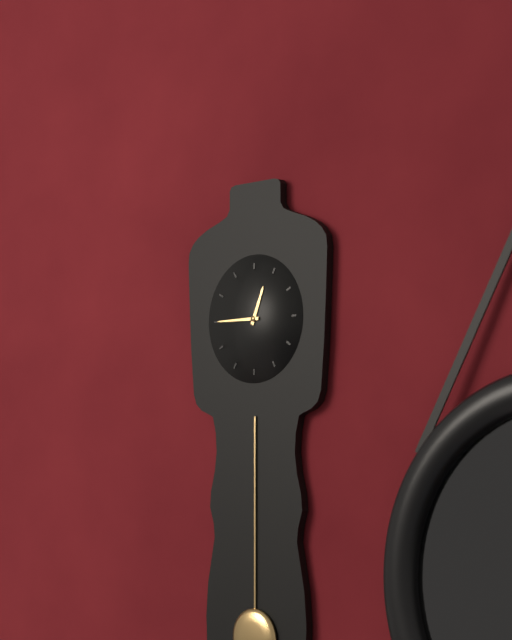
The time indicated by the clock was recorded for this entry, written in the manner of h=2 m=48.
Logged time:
h=12 m=45
